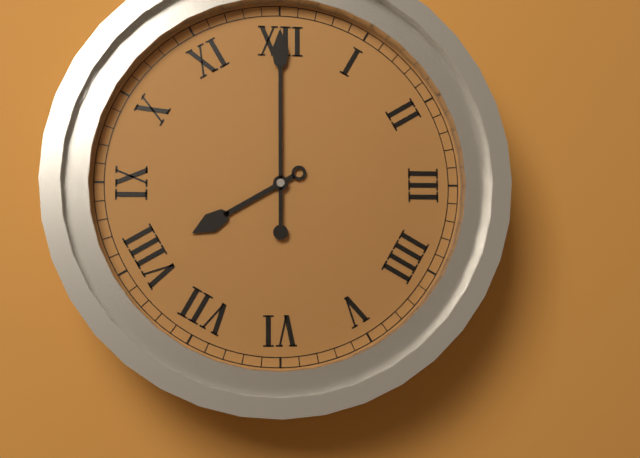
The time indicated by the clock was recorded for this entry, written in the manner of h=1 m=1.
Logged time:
h=8 m=0
